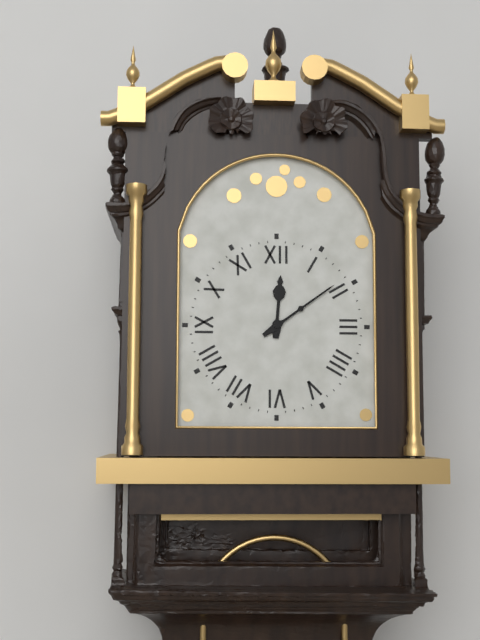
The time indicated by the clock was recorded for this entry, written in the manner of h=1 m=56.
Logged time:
h=12 m=9
